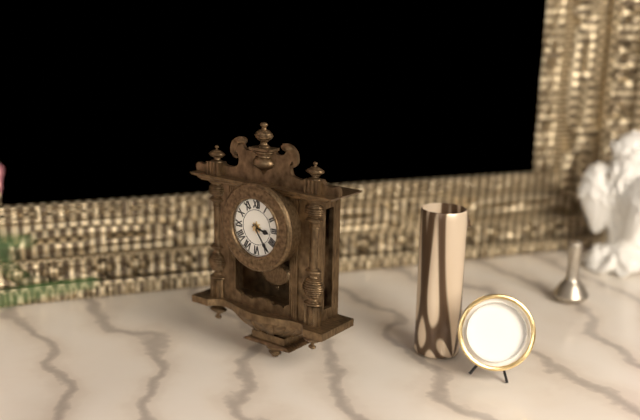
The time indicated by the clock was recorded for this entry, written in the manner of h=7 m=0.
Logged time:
h=3 m=24
